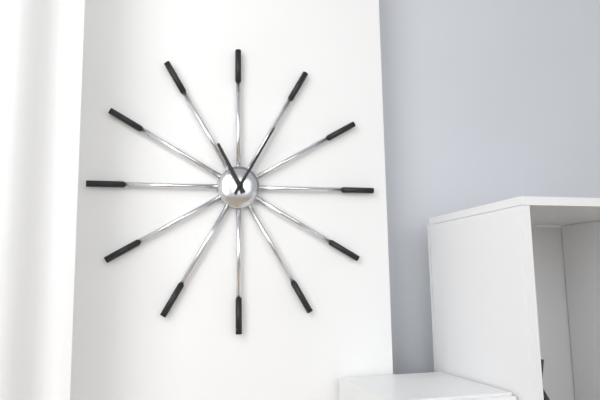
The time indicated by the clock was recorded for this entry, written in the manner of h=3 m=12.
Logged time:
h=11 m=5
